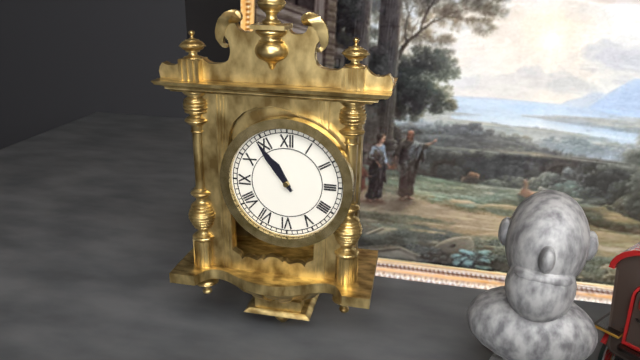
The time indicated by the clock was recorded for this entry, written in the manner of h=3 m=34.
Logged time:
h=10 m=54
